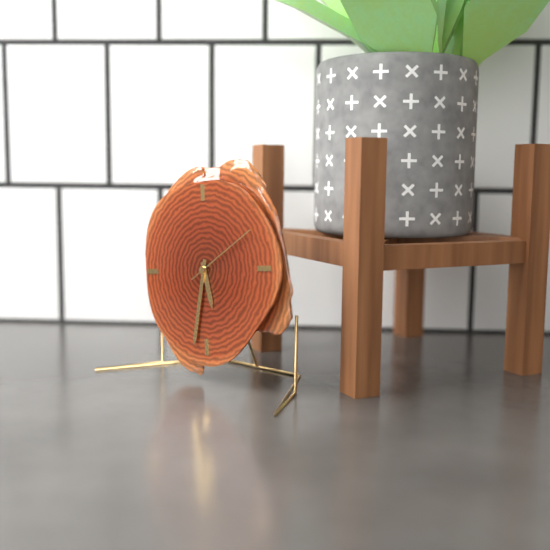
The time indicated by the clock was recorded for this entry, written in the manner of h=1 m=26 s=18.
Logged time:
h=5 m=32 s=10
